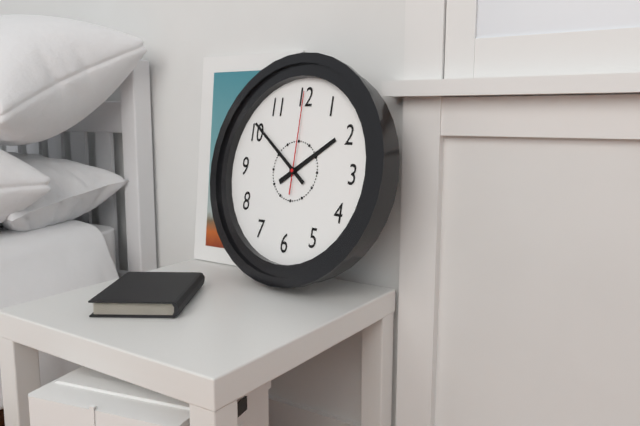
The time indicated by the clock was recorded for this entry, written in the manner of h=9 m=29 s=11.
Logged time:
h=1 m=51 s=0
